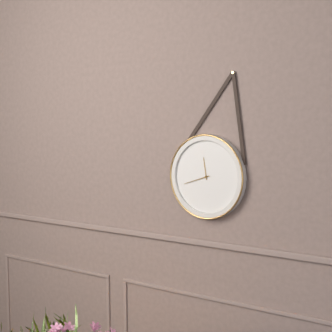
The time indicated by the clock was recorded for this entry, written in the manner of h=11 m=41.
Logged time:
h=11 m=42
